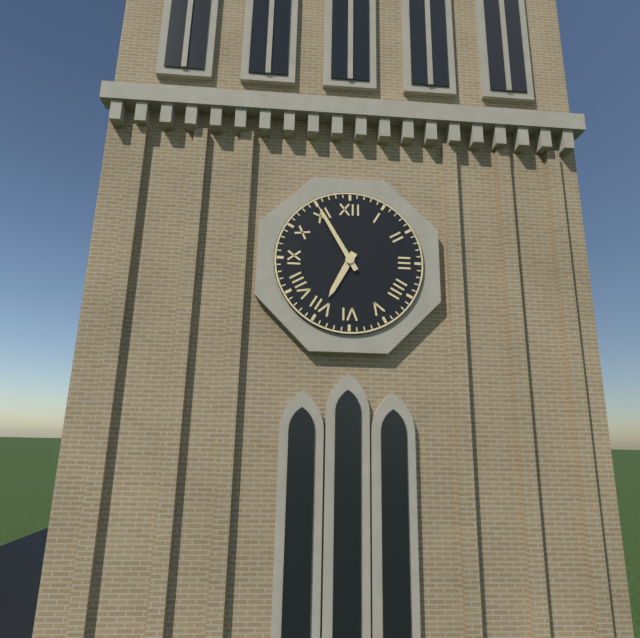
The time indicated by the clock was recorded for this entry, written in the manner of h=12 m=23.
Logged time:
h=6 m=55
